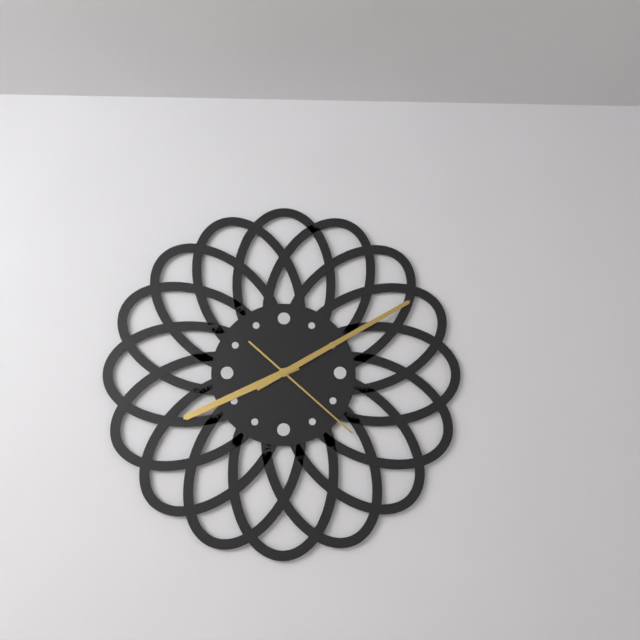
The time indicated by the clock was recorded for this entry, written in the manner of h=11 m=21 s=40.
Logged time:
h=8 m=10 s=22
